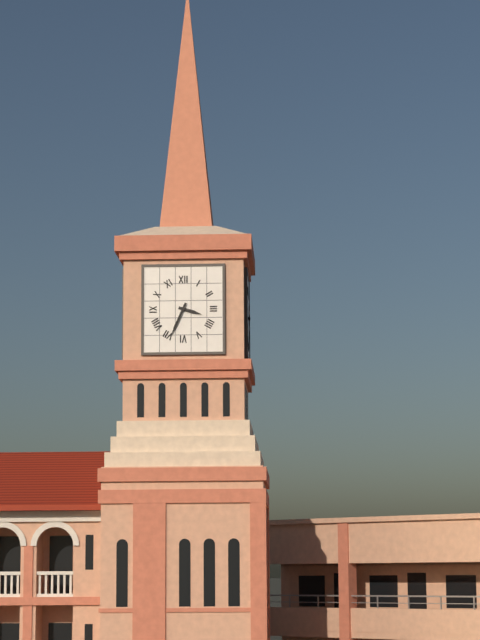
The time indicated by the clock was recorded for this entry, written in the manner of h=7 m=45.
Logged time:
h=3 m=34
